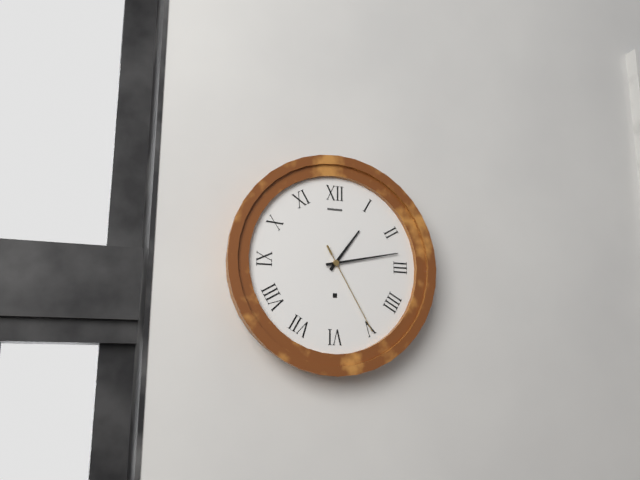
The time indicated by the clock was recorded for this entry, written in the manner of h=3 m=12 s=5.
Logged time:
h=1 m=13 s=25
